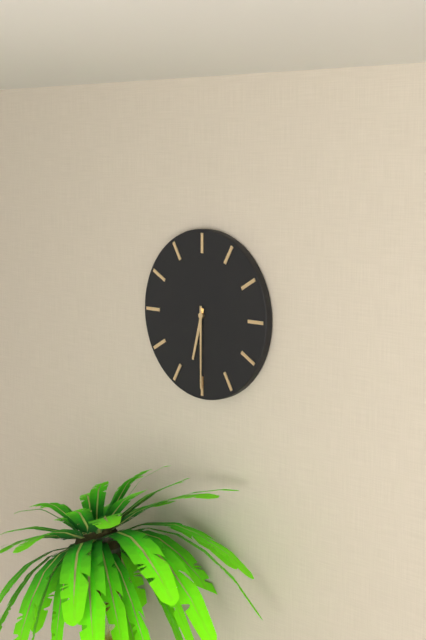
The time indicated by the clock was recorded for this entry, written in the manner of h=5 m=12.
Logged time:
h=6 m=30
